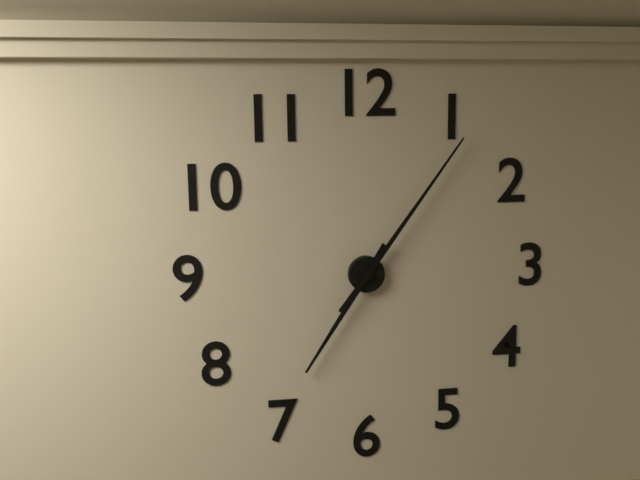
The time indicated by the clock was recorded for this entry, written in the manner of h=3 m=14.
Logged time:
h=7 m=6
